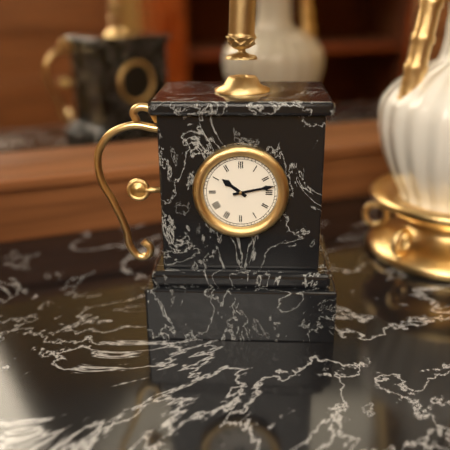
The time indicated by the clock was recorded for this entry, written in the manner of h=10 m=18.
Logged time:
h=10 m=13
